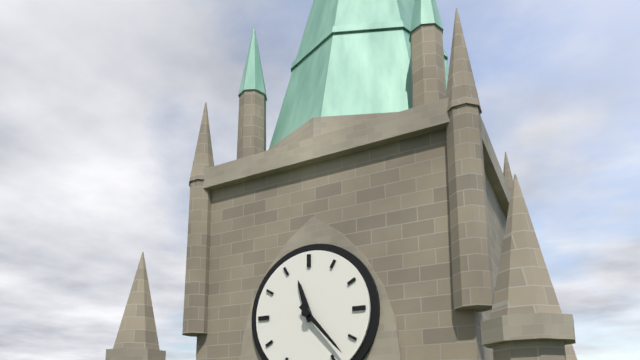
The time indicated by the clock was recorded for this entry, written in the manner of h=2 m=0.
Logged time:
h=11 m=23
